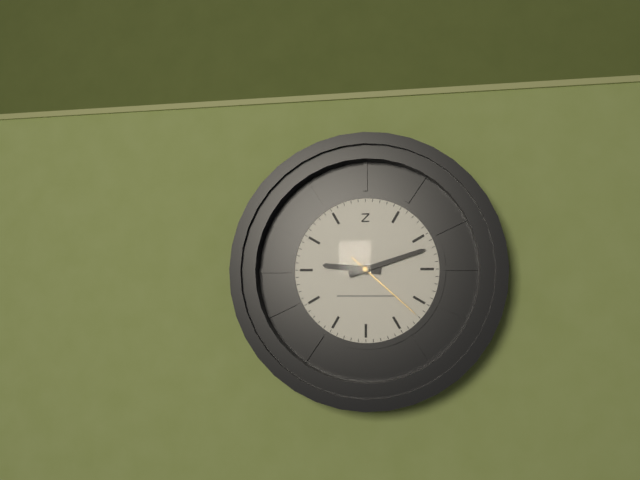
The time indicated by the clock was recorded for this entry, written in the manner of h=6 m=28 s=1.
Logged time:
h=9 m=12 s=22
